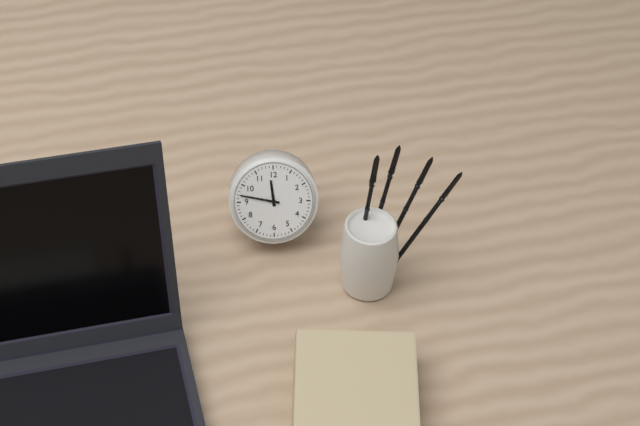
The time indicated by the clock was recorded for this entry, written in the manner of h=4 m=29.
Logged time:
h=11 m=47
